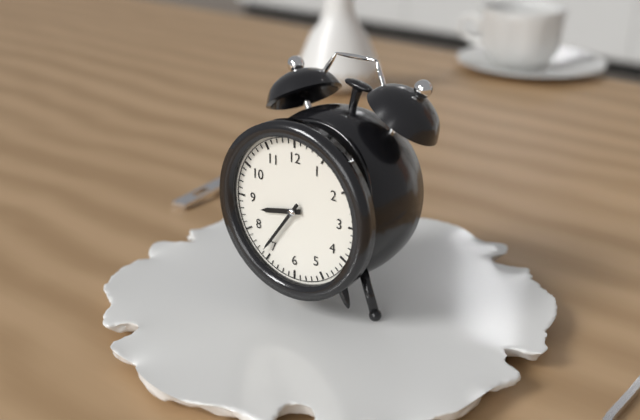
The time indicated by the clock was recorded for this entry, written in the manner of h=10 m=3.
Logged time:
h=8 m=36
